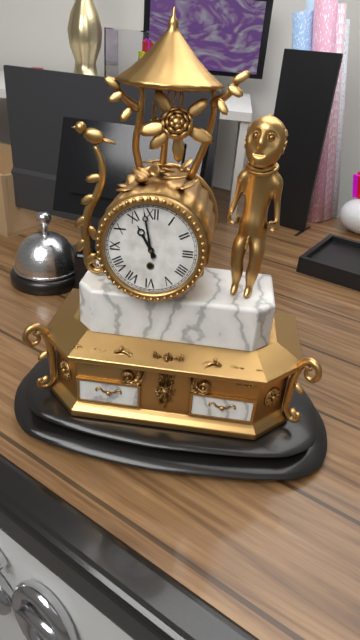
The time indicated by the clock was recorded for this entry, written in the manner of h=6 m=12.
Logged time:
h=10 m=58
